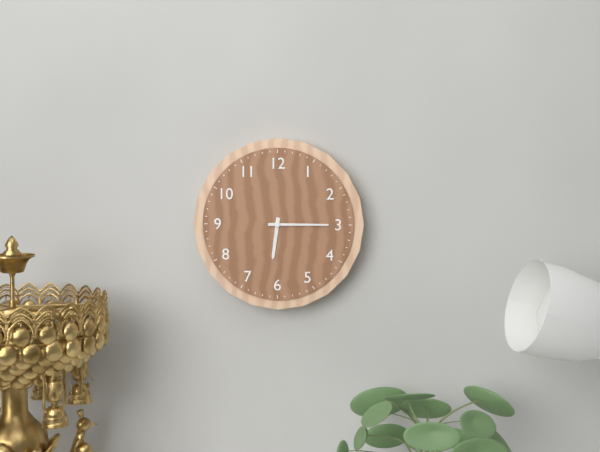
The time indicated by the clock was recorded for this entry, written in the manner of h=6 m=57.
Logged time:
h=6 m=15
